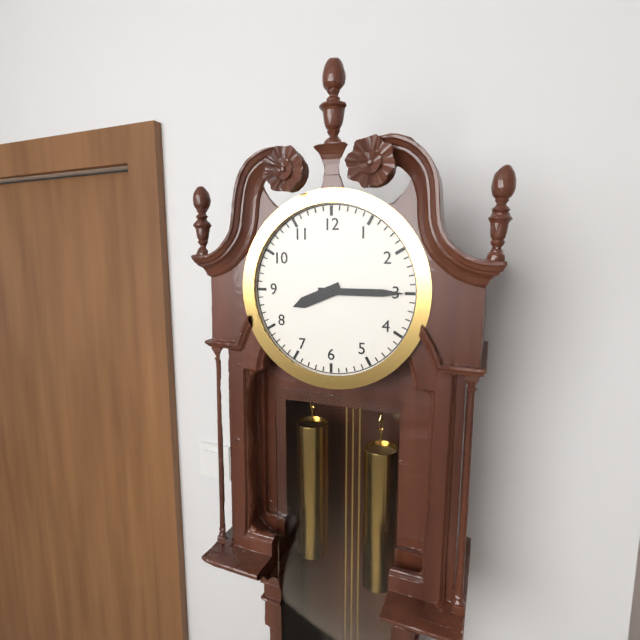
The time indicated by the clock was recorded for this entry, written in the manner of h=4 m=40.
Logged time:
h=8 m=15
